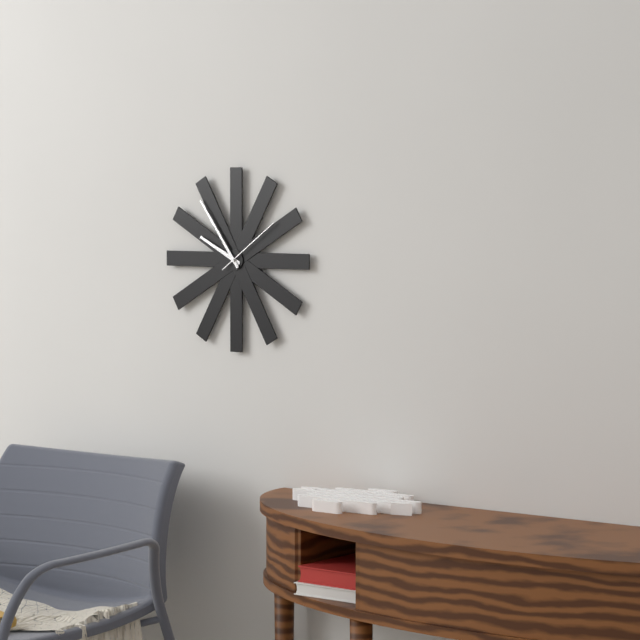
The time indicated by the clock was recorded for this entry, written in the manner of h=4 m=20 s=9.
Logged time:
h=9 m=54 s=9
